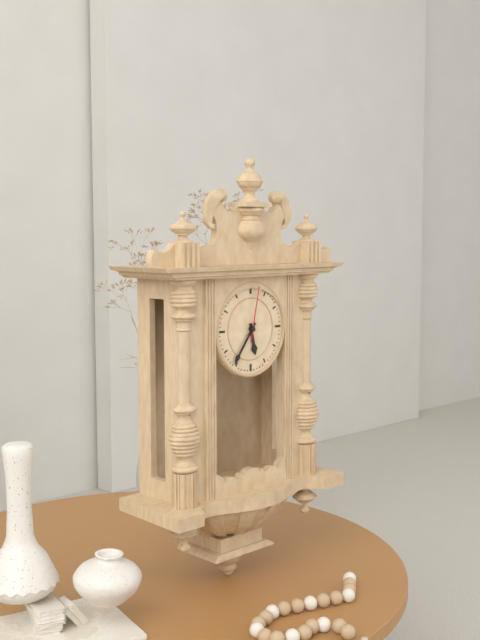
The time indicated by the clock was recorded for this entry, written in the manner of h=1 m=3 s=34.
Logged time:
h=5 m=36 s=2
